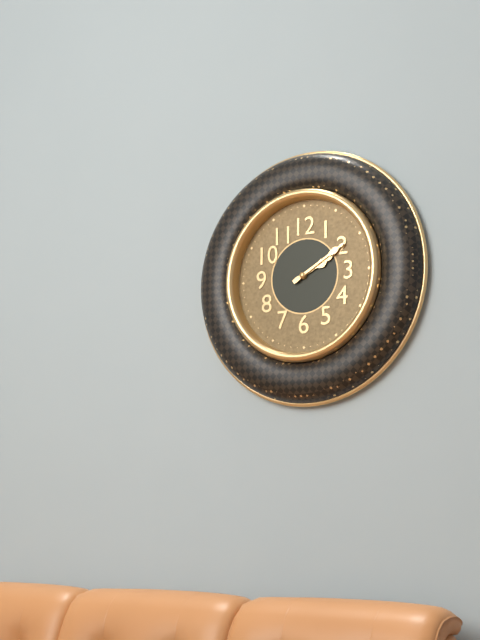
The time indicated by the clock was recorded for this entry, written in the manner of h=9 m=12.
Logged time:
h=2 m=10
